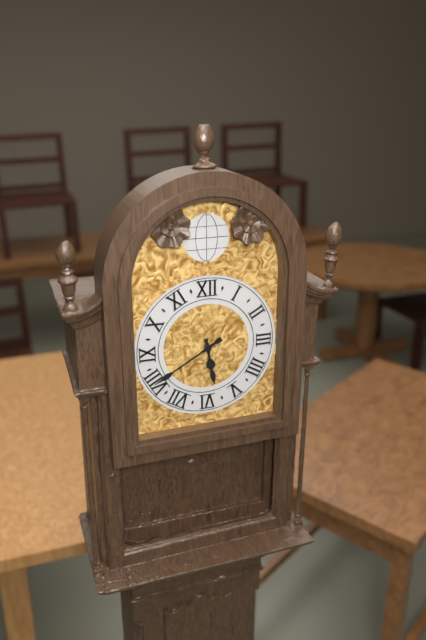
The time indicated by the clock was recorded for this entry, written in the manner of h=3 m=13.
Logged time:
h=5 m=40
